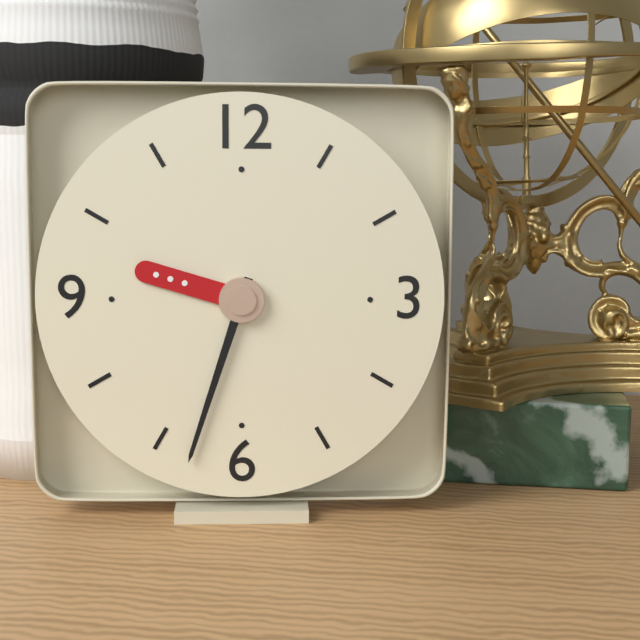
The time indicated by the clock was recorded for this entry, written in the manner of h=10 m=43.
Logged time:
h=9 m=33
